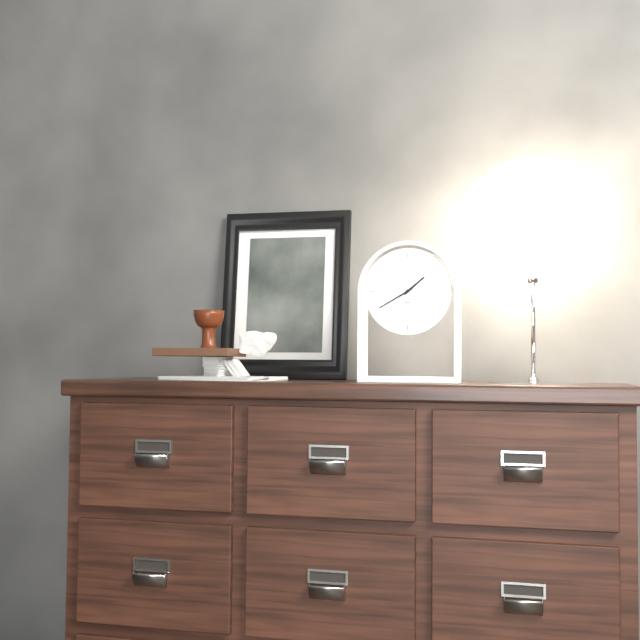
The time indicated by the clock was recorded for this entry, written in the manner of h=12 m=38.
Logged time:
h=1 m=40
